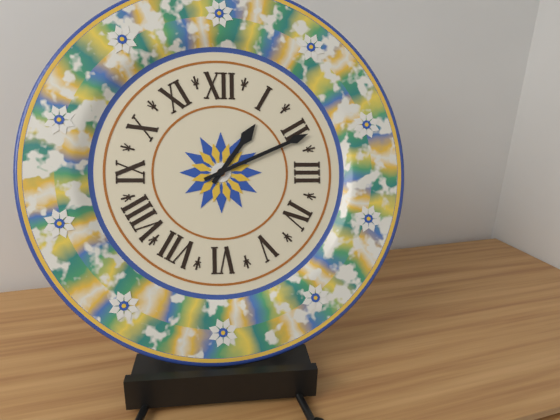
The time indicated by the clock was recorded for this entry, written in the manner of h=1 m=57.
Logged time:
h=1 m=11
